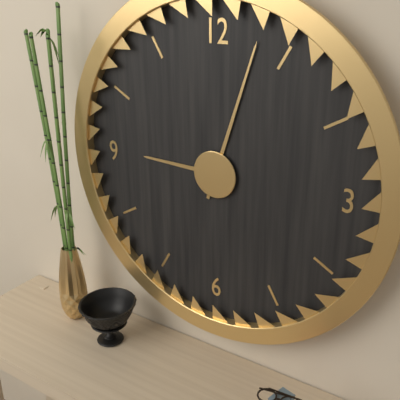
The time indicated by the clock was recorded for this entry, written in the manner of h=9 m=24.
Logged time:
h=9 m=3
